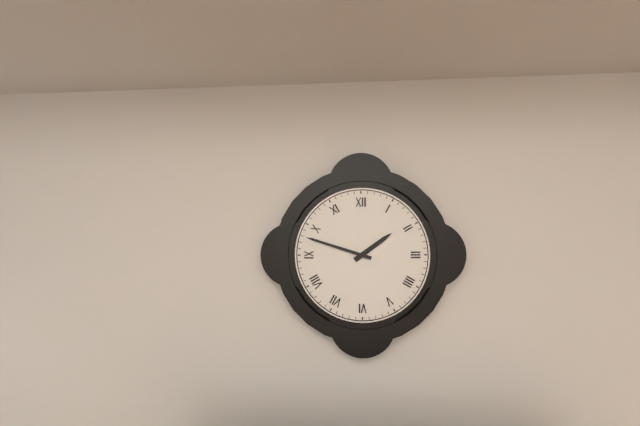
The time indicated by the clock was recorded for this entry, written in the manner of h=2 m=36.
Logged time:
h=1 m=48
